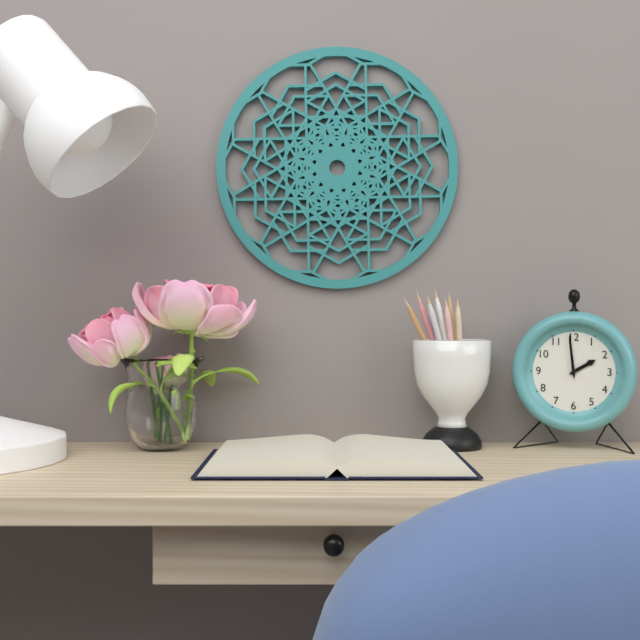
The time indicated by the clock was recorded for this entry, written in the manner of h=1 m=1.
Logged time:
h=1 m=59
